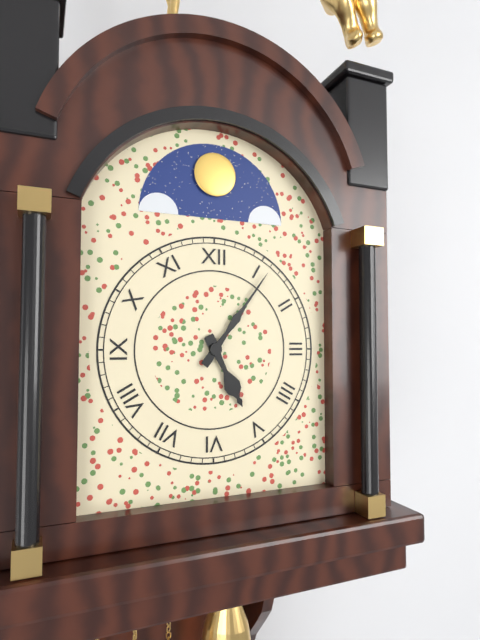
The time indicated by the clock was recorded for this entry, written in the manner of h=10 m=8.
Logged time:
h=5 m=6
